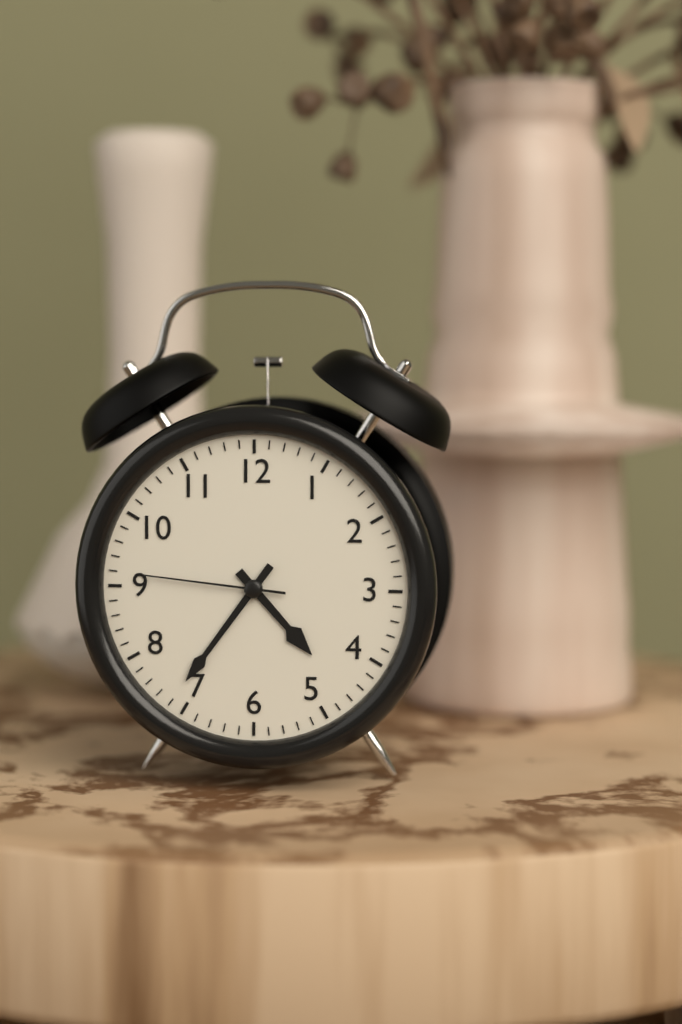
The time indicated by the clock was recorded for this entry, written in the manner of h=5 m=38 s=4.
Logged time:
h=4 m=36 s=46
